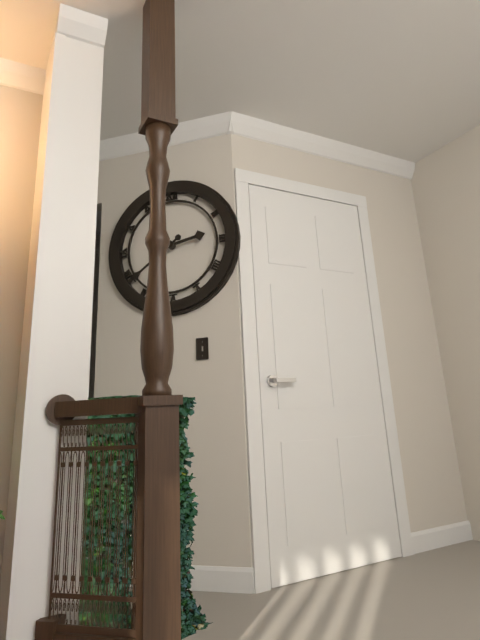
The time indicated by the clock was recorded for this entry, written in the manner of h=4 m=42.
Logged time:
h=2 m=39
